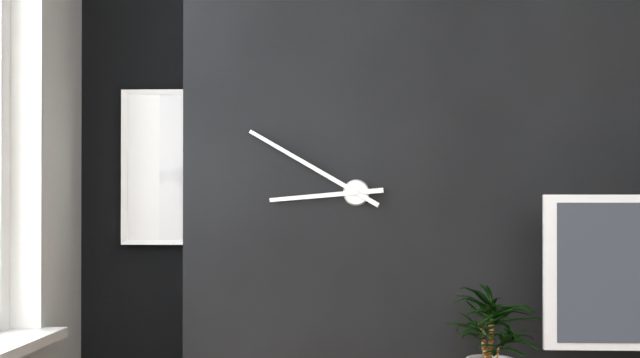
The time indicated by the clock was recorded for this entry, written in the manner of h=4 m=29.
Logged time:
h=8 m=50
